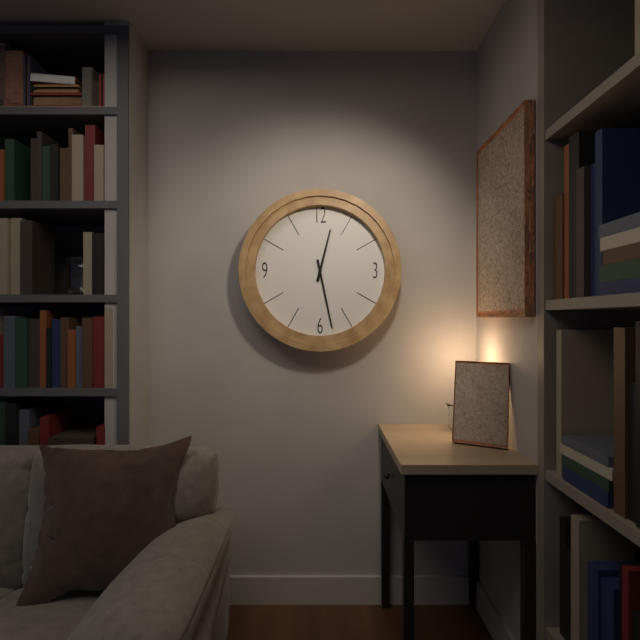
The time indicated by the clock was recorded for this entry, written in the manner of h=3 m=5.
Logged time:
h=12 m=28
